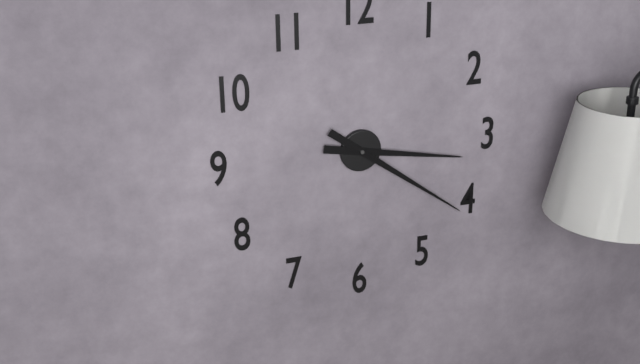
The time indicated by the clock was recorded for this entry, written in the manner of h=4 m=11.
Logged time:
h=3 m=21
